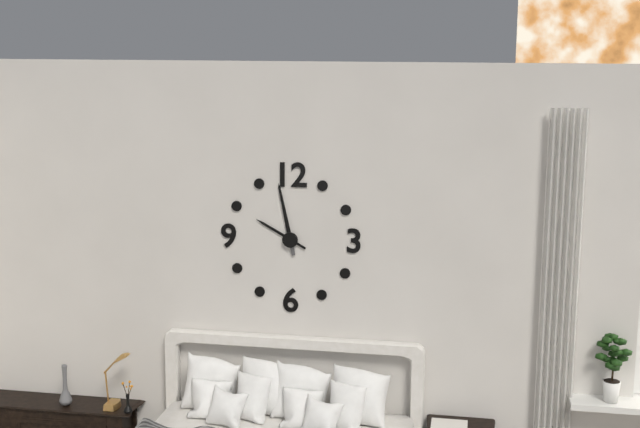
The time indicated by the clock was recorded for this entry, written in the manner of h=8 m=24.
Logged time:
h=9 m=58
